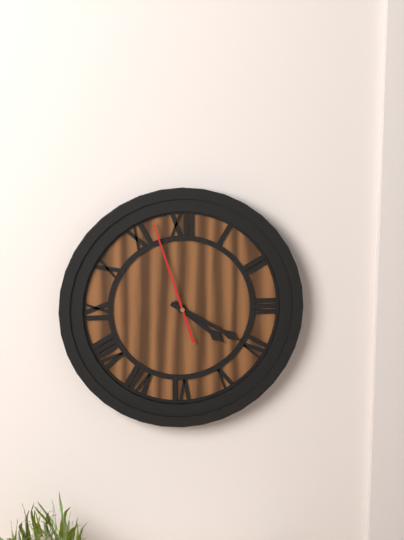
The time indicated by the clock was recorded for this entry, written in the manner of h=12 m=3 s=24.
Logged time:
h=4 m=20 s=57
